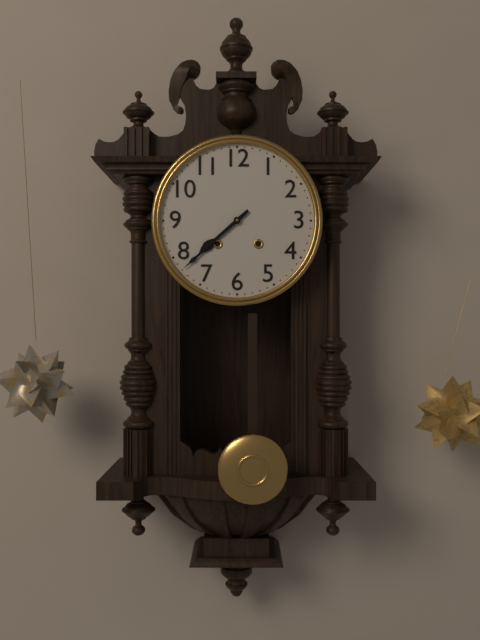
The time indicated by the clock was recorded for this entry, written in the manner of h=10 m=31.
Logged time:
h=7 m=38
